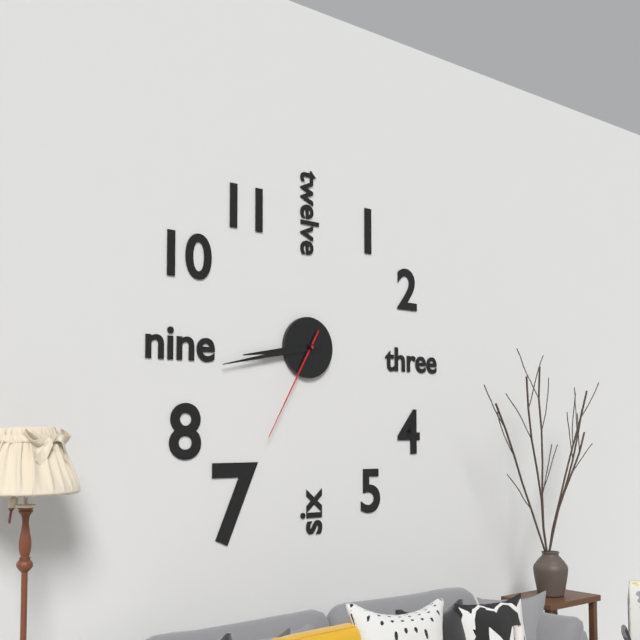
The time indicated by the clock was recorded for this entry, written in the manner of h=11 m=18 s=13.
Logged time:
h=8 m=43 s=35
